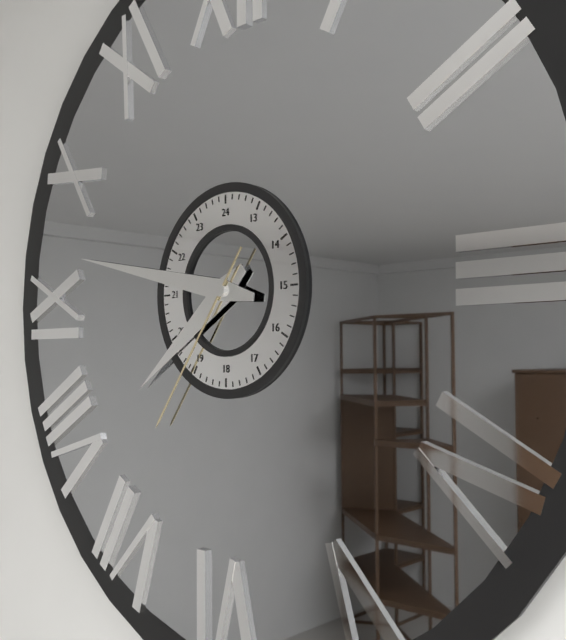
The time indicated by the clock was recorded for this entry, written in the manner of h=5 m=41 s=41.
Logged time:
h=7 m=47 s=36
